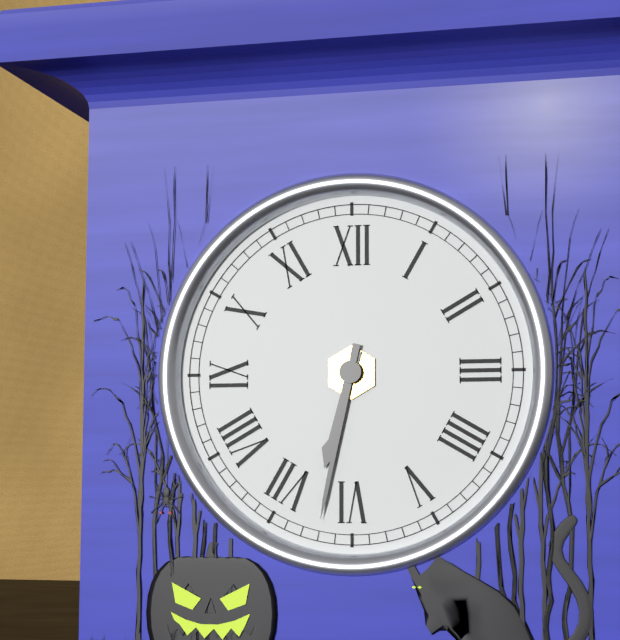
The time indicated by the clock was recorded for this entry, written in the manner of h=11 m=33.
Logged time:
h=6 m=32
